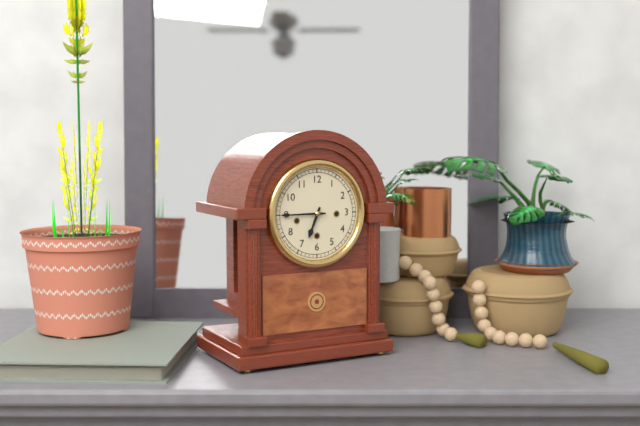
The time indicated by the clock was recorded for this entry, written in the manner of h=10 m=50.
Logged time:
h=6 m=45
